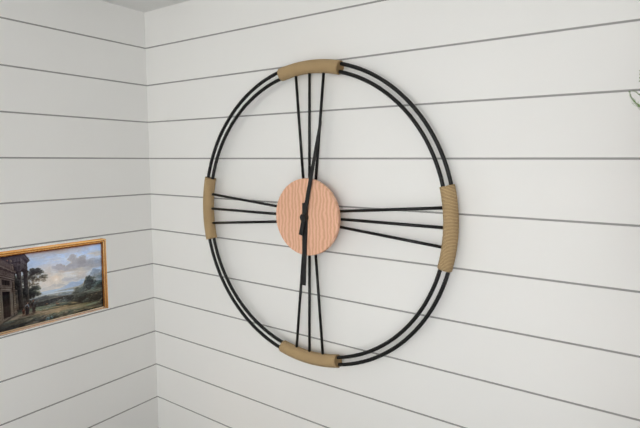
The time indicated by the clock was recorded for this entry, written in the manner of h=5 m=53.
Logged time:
h=6 m=2
